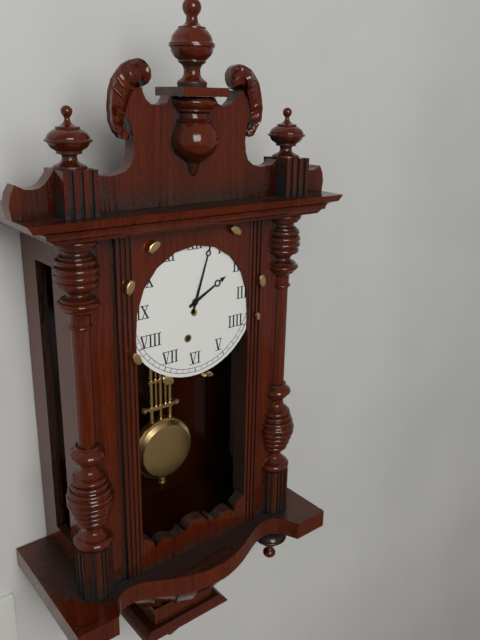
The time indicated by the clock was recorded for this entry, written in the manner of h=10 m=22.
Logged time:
h=2 m=3
